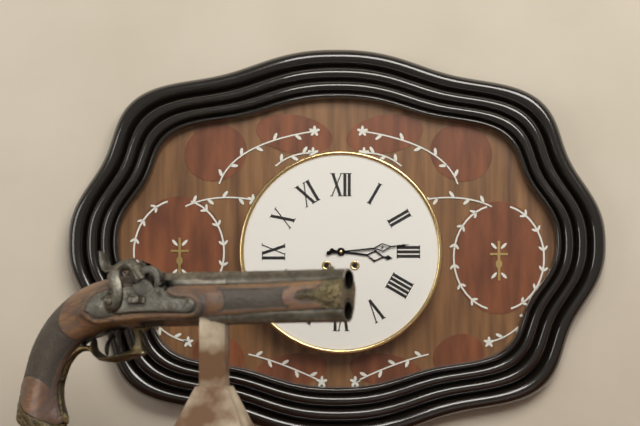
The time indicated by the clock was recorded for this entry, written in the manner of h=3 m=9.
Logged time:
h=3 m=14
